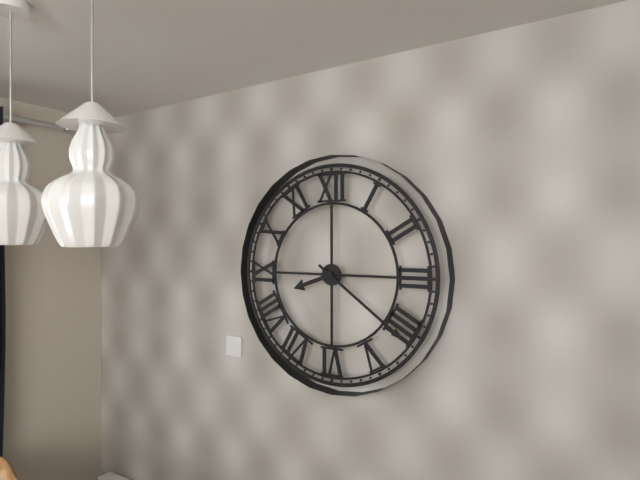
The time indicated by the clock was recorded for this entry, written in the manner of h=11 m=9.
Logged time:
h=8 m=21
